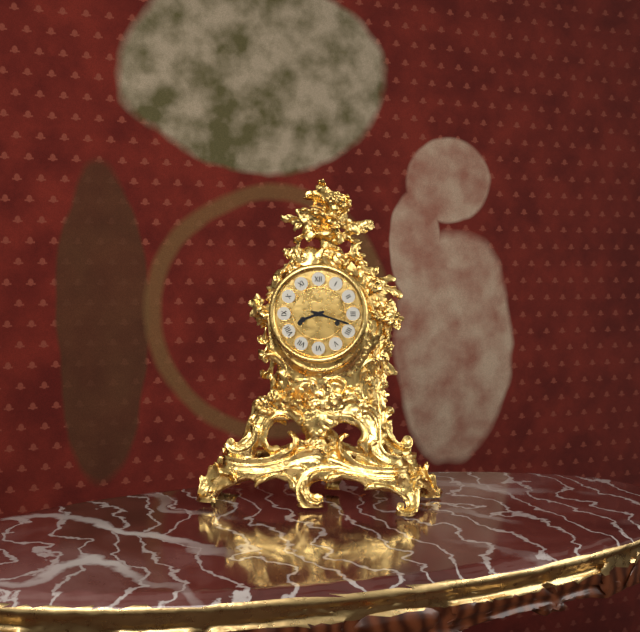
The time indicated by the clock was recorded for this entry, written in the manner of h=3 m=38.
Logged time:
h=8 m=18
